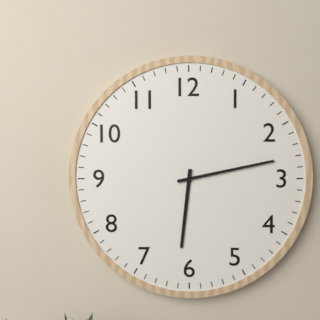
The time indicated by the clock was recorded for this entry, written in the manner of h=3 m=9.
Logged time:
h=6 m=13
